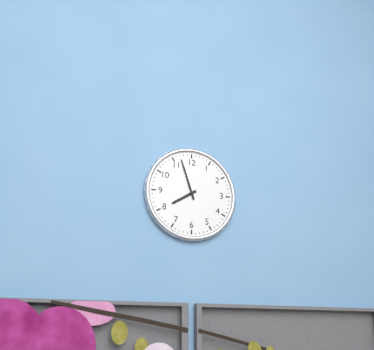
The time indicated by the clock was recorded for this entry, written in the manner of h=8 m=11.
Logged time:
h=7 m=57
